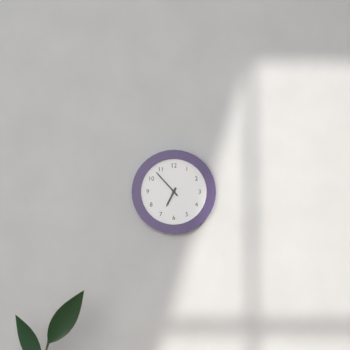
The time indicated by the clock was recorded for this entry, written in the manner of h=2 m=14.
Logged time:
h=6 m=53
